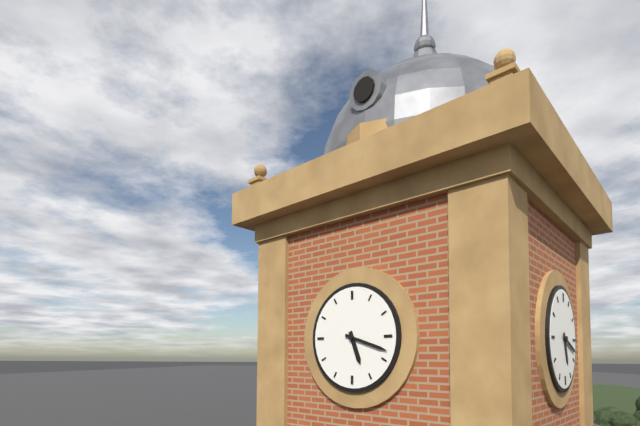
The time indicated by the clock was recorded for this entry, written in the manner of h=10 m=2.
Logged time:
h=5 m=18
